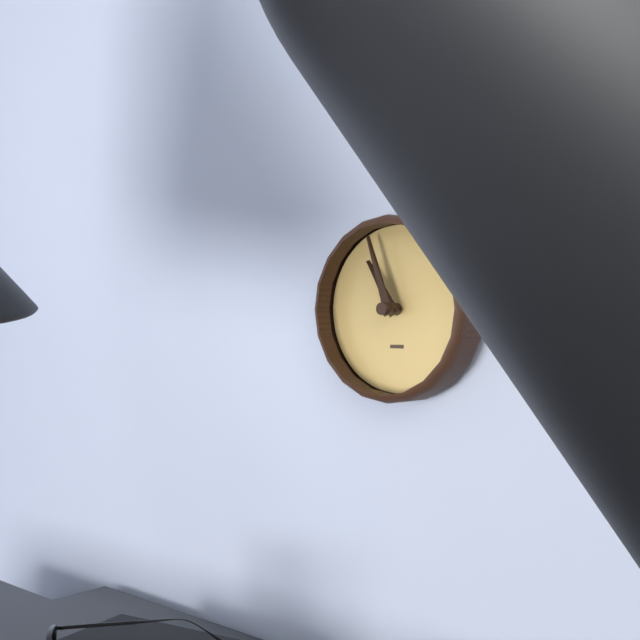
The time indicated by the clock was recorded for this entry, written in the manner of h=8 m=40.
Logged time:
h=10 m=57
